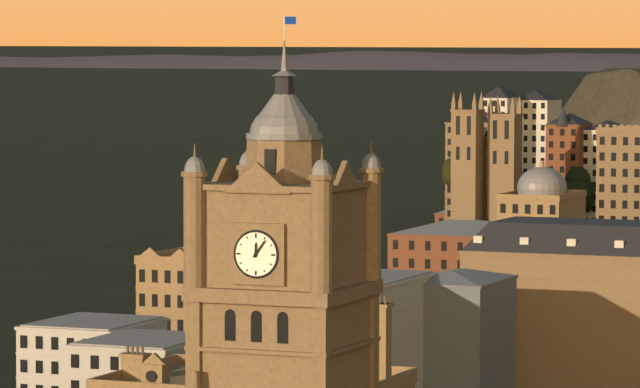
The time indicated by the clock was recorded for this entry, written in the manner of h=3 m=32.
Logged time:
h=12 m=6
